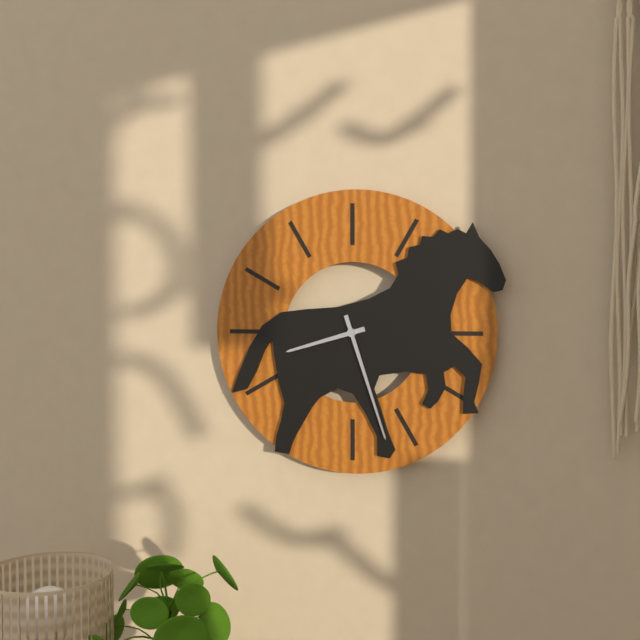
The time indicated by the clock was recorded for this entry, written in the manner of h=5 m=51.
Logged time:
h=8 m=27
